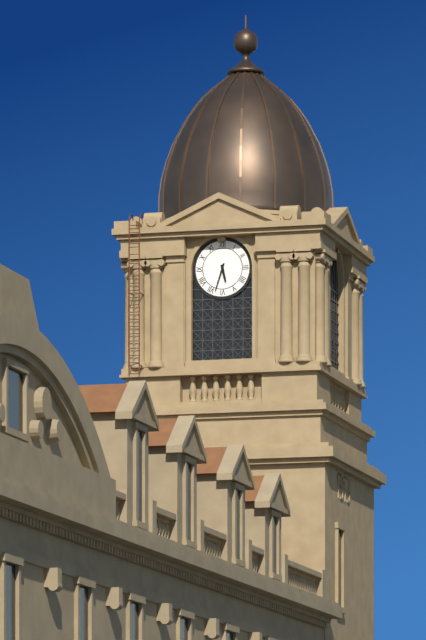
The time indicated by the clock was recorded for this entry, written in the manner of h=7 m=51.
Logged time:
h=5 m=33
